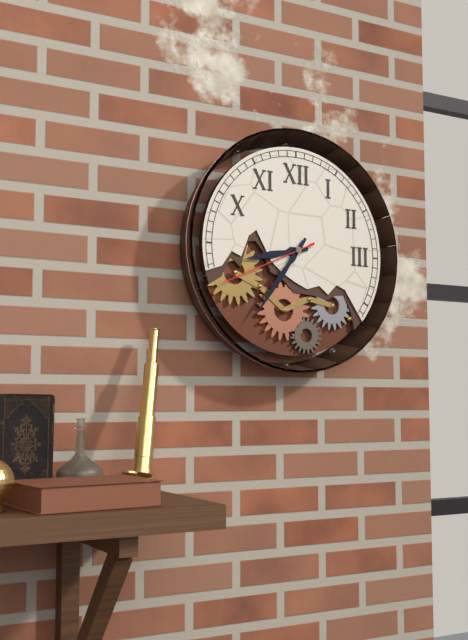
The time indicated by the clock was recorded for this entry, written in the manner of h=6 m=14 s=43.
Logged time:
h=8 m=36 s=41
